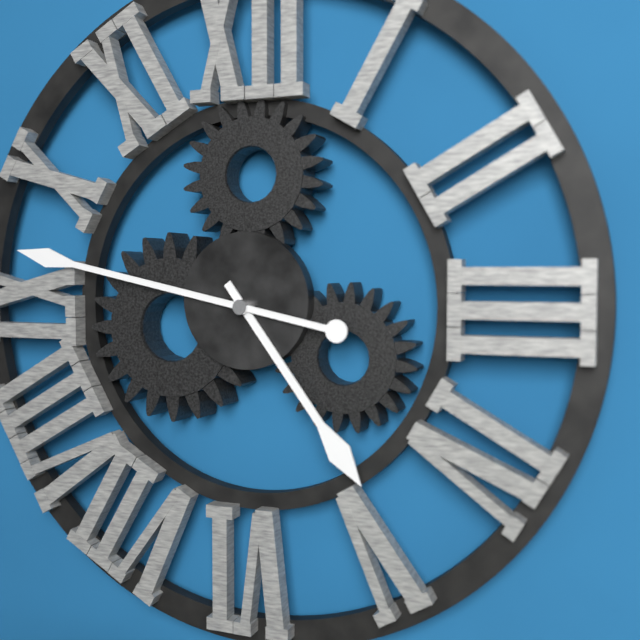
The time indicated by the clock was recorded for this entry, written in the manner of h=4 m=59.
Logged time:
h=4 m=47
